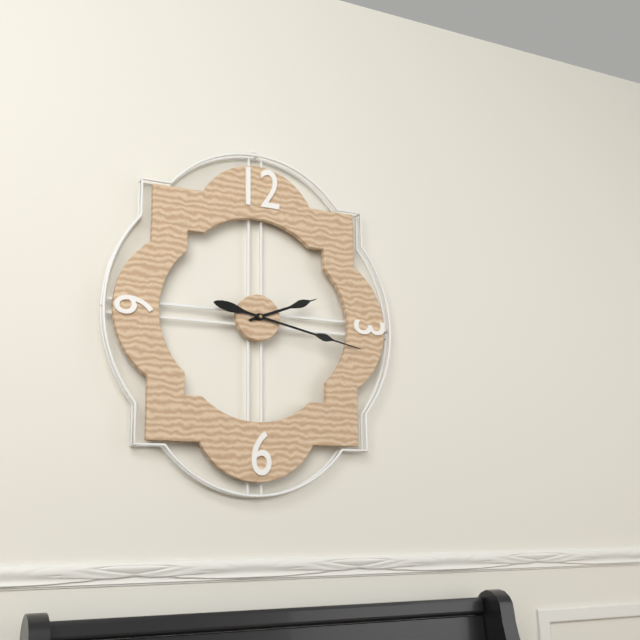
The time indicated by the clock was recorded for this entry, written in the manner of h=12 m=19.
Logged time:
h=2 m=17
